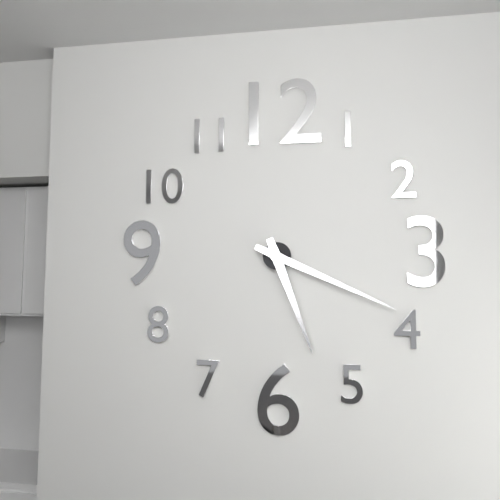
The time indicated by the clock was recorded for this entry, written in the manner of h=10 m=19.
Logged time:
h=5 m=19
